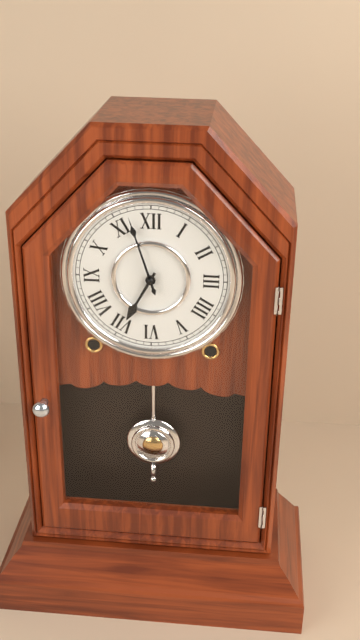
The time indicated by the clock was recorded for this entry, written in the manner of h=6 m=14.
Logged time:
h=6 m=57
